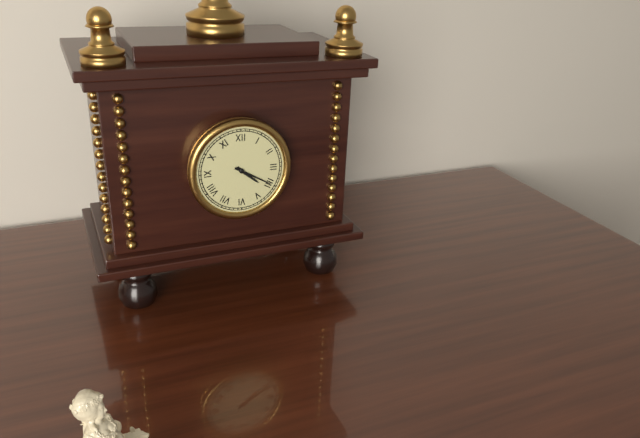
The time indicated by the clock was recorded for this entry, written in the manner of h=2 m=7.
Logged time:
h=4 m=20
